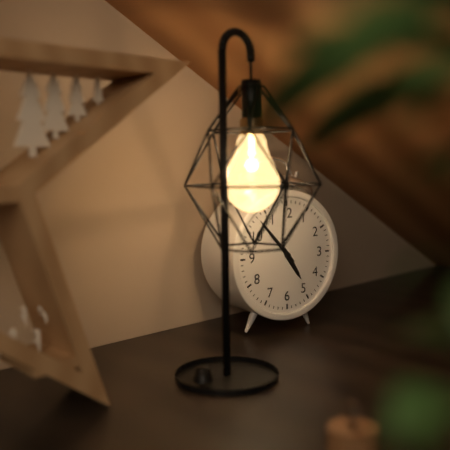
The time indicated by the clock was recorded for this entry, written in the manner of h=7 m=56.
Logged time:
h=4 m=53
